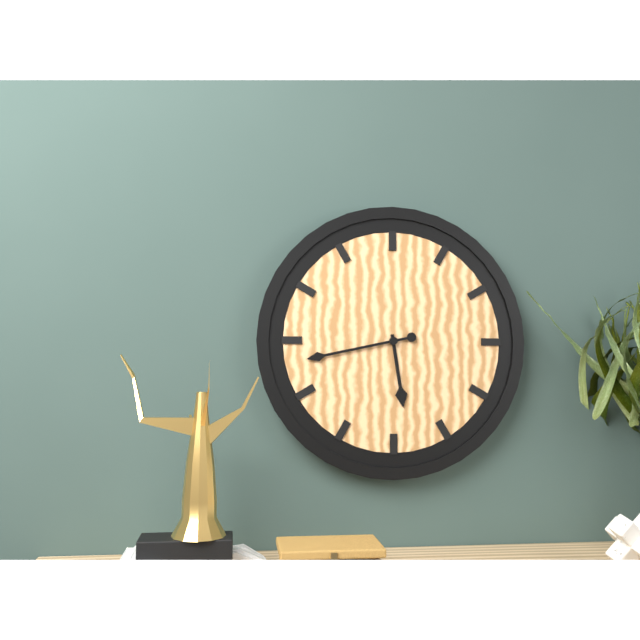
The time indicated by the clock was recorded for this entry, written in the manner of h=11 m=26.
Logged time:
h=5 m=43
